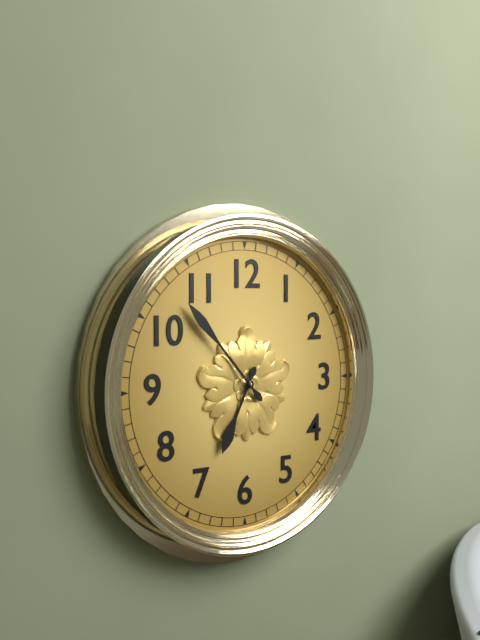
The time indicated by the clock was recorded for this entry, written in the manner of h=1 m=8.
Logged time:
h=6 m=53
